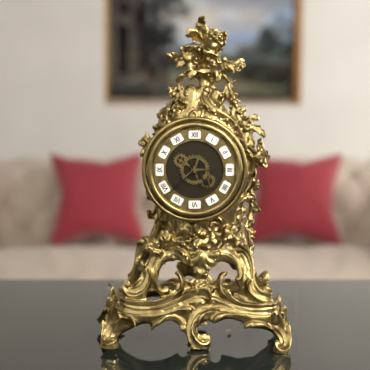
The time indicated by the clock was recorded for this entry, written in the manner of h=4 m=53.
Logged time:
h=4 m=38
